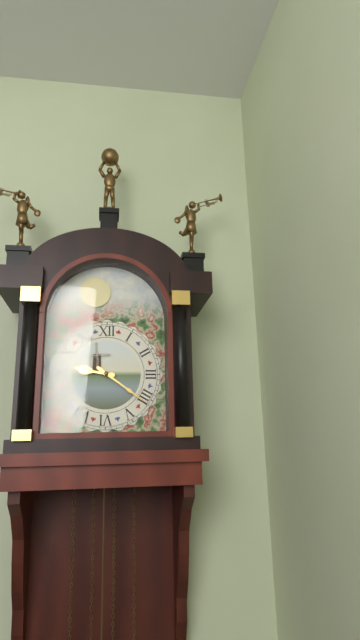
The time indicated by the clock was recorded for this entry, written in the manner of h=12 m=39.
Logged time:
h=9 m=21
